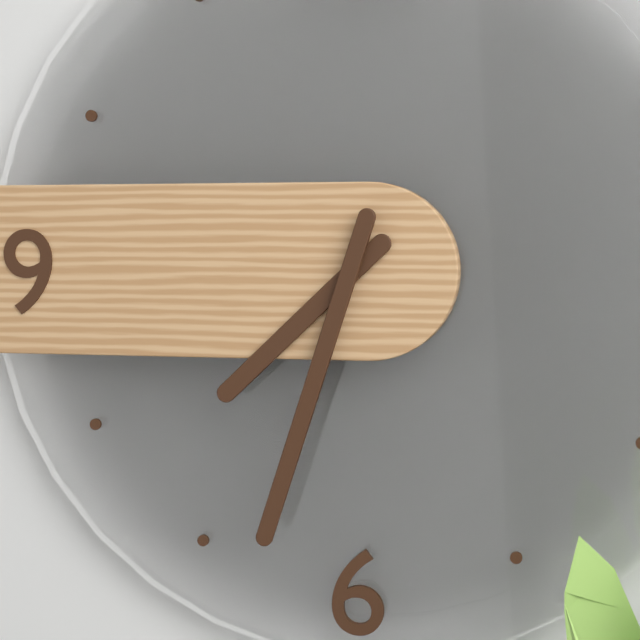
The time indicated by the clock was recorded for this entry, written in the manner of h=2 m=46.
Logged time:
h=7 m=33
